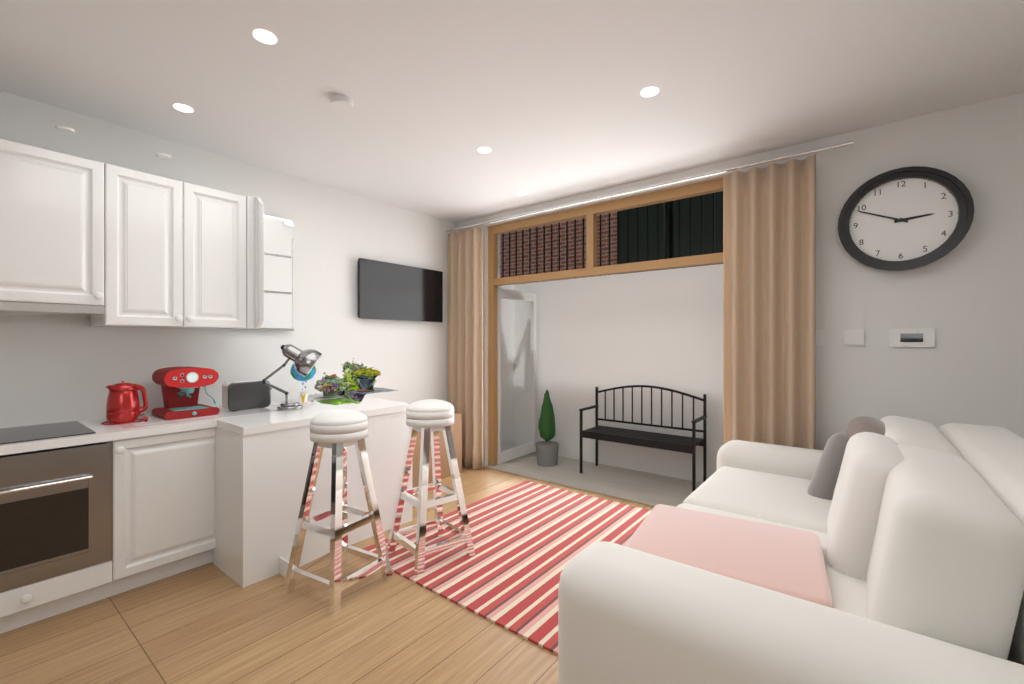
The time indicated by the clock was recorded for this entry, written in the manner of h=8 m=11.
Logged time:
h=2 m=49
